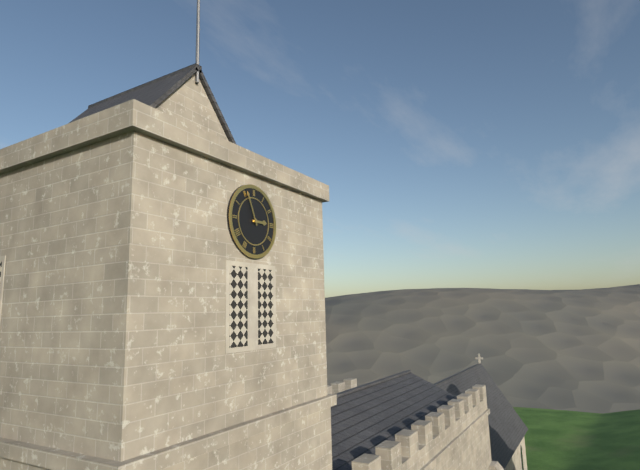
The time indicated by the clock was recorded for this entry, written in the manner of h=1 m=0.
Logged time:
h=2 m=56
